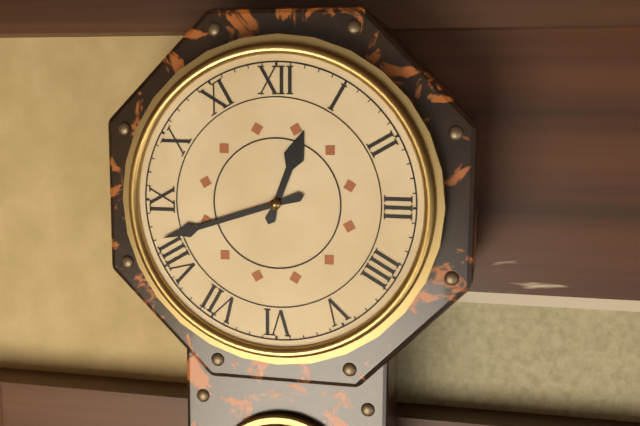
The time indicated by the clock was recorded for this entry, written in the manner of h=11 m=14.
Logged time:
h=12 m=42
